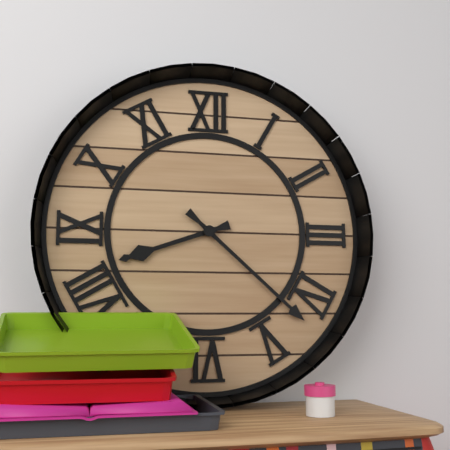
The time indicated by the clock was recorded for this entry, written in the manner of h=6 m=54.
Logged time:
h=8 m=22
